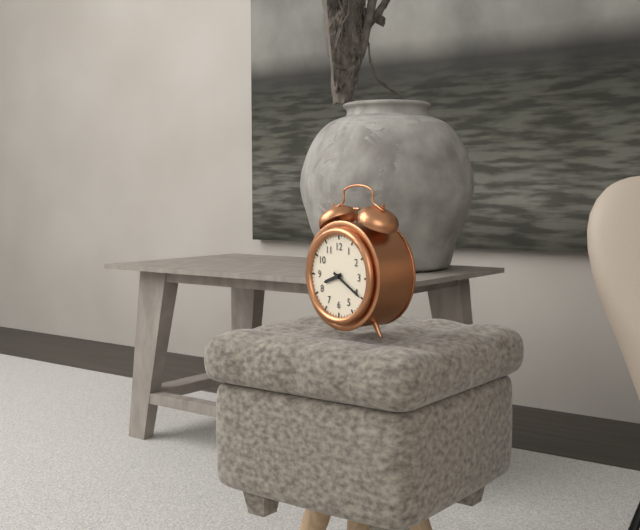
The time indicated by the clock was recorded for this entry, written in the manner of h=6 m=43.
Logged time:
h=8 m=20
